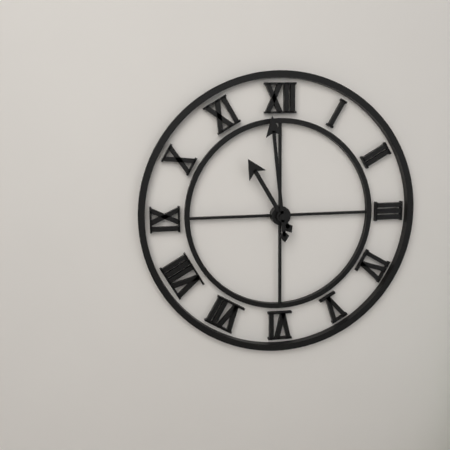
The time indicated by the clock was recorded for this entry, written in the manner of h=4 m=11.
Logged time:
h=10 m=59
